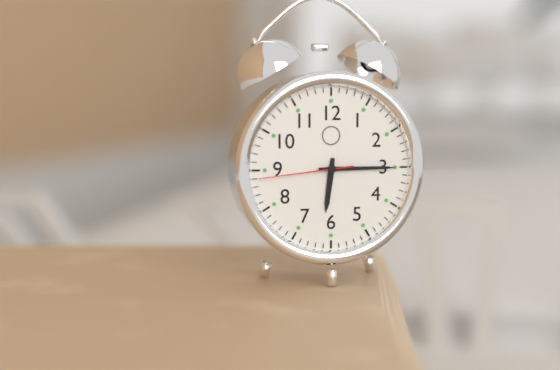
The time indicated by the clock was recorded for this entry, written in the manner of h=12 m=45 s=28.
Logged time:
h=6 m=15 s=44
